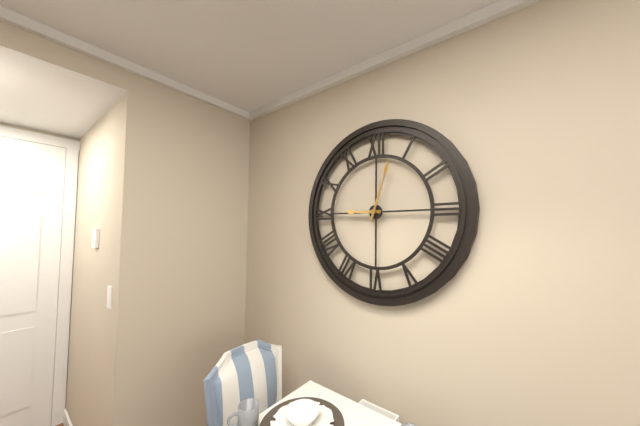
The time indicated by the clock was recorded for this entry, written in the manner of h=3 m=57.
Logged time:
h=9 m=3
